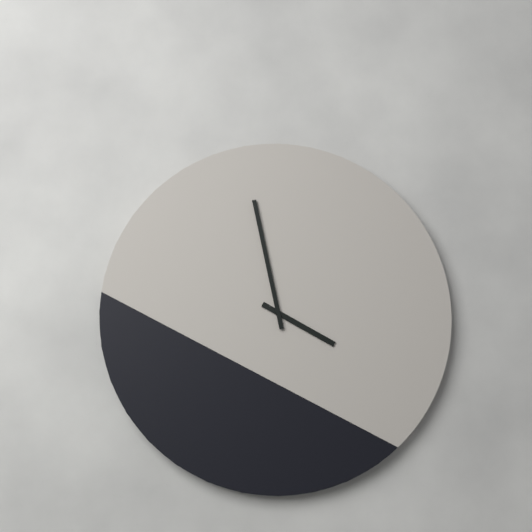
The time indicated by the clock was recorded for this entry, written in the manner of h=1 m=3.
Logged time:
h=3 m=58
